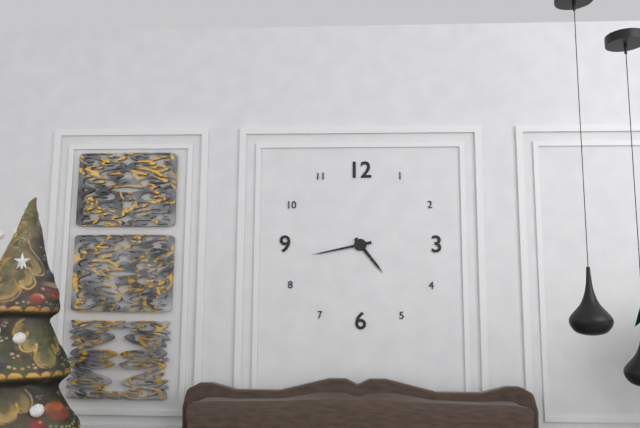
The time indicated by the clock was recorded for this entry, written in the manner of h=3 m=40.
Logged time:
h=4 m=43
